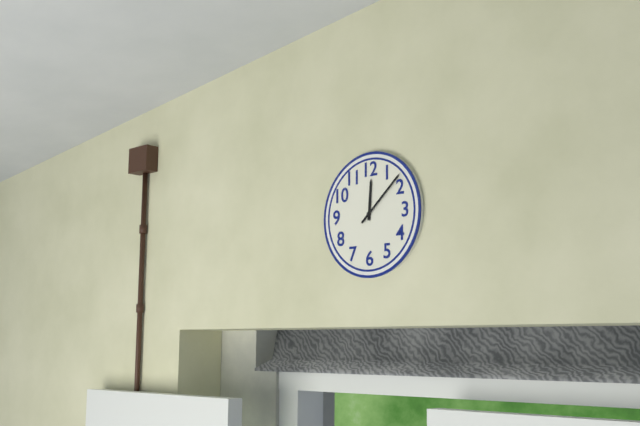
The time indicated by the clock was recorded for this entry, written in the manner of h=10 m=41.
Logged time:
h=12 m=8
